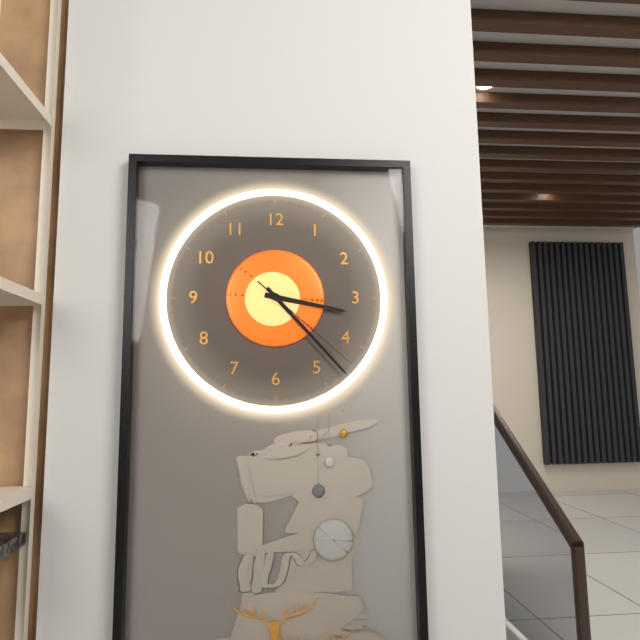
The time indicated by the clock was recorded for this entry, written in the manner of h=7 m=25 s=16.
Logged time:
h=3 m=23 s=22
